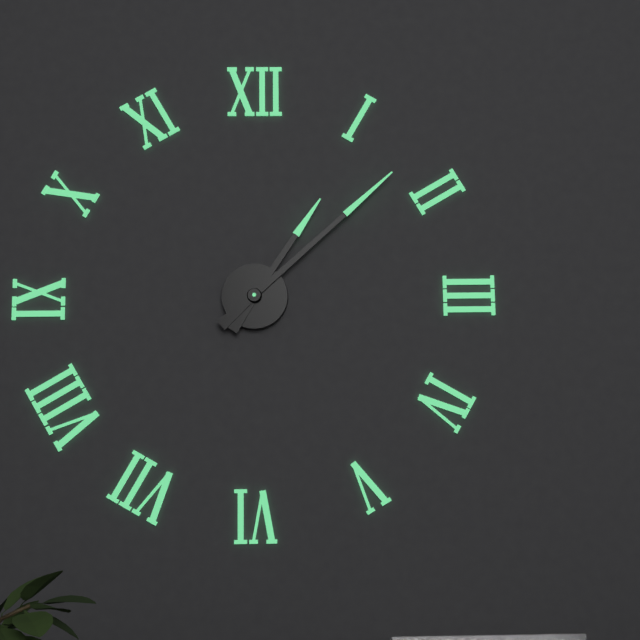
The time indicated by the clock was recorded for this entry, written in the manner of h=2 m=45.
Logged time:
h=1 m=8
